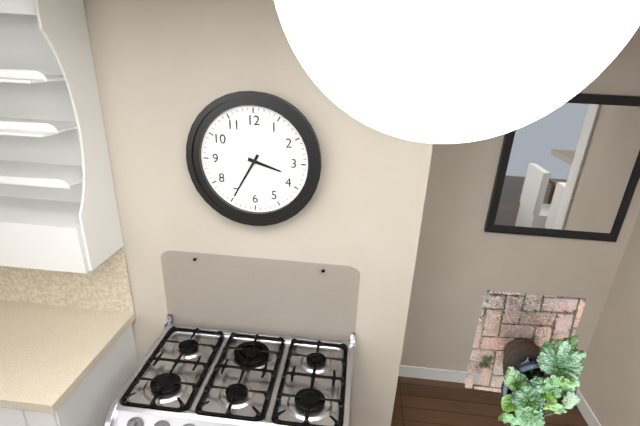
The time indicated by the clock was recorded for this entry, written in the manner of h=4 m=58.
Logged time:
h=3 m=35
